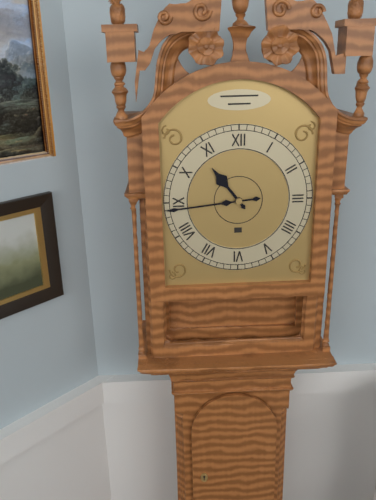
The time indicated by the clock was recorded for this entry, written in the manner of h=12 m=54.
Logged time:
h=10 m=44
